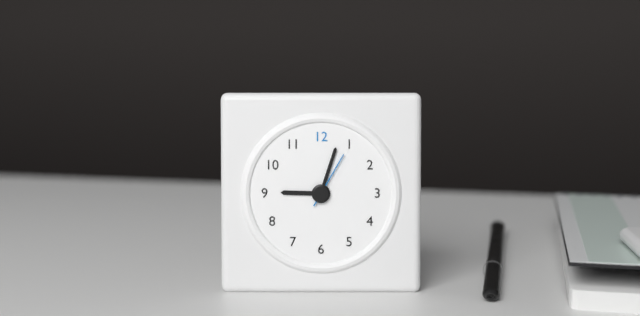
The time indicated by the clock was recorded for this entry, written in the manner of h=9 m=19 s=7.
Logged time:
h=9 m=3 s=5
